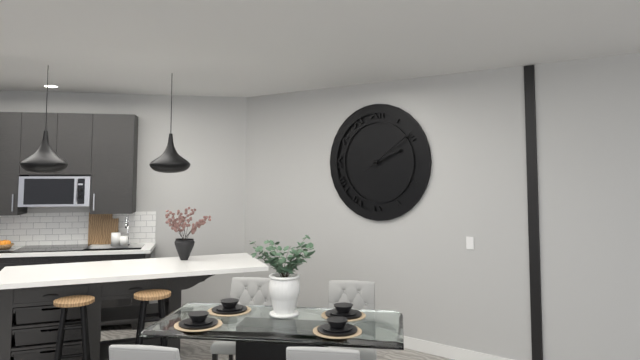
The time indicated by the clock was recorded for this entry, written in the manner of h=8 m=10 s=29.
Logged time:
h=2 m=9 s=9
